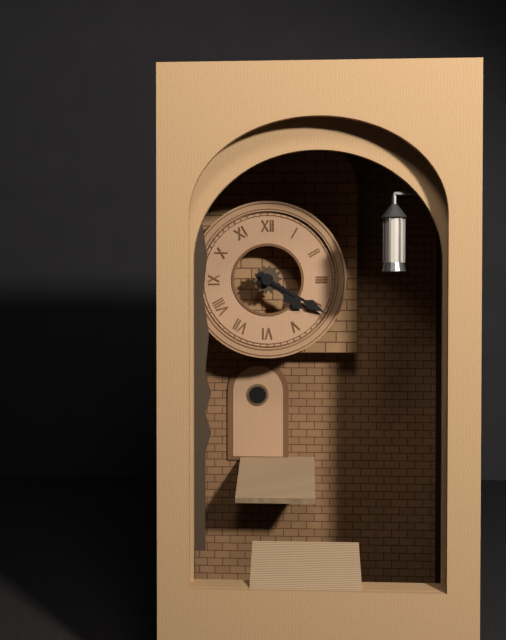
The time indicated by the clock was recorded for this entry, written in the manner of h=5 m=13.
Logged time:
h=4 m=20
